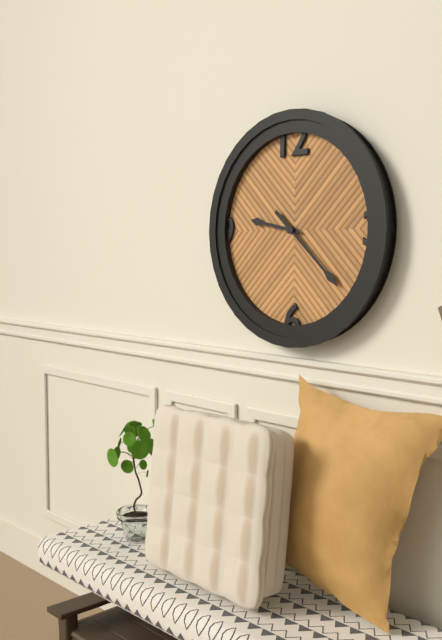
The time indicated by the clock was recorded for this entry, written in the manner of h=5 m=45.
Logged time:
h=9 m=22
